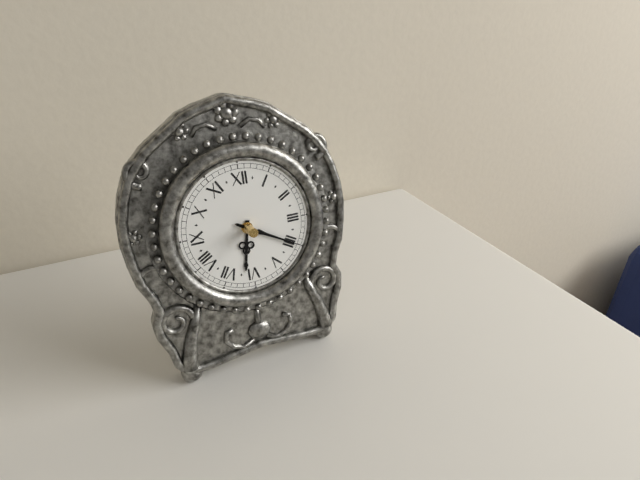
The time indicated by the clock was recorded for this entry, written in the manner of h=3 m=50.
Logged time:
h=6 m=20
